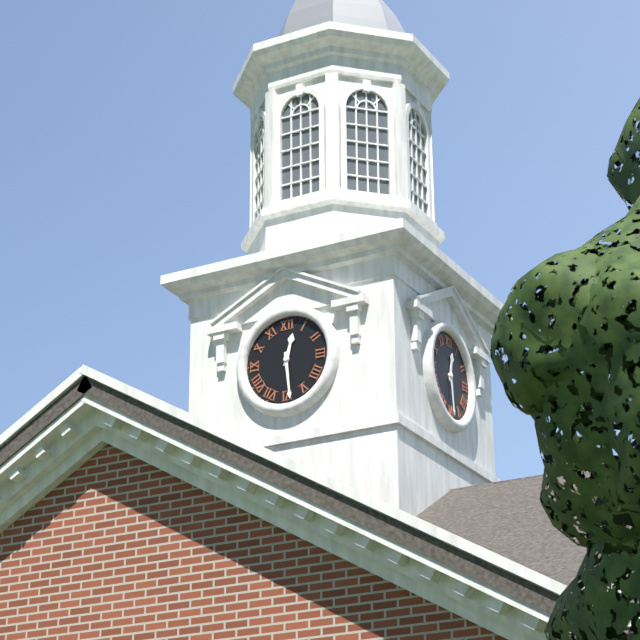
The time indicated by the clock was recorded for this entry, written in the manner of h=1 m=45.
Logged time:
h=12 m=29
